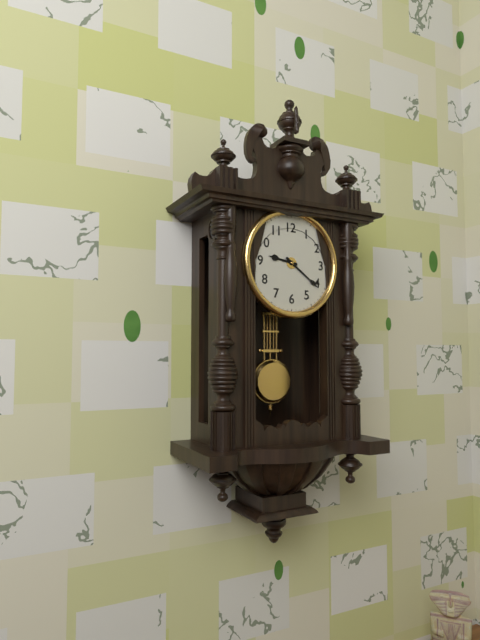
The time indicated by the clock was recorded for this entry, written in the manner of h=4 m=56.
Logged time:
h=9 m=21
